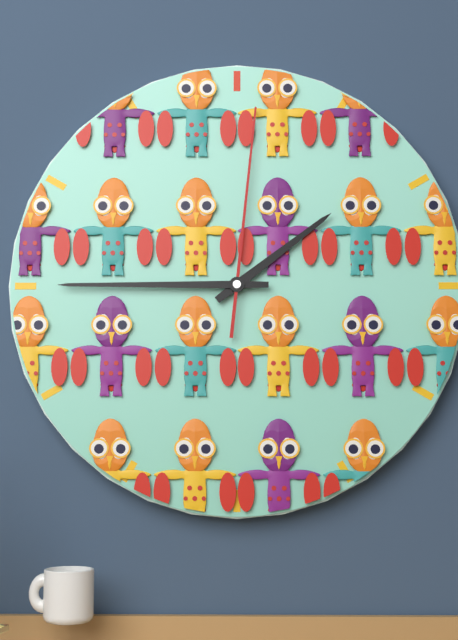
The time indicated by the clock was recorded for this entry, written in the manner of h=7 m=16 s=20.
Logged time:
h=1 m=45 s=1
